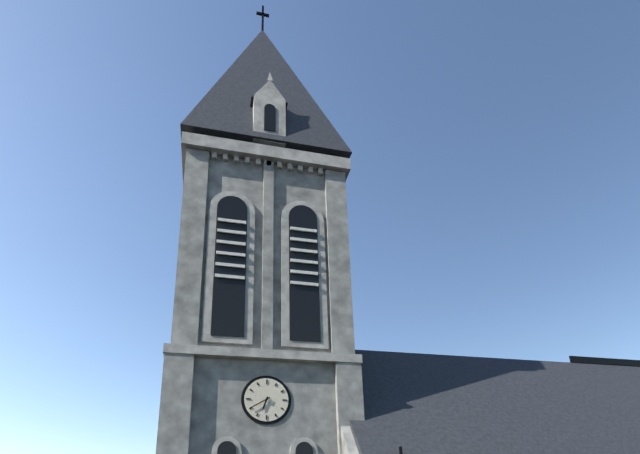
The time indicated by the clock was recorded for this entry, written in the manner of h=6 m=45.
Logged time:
h=6 m=40
